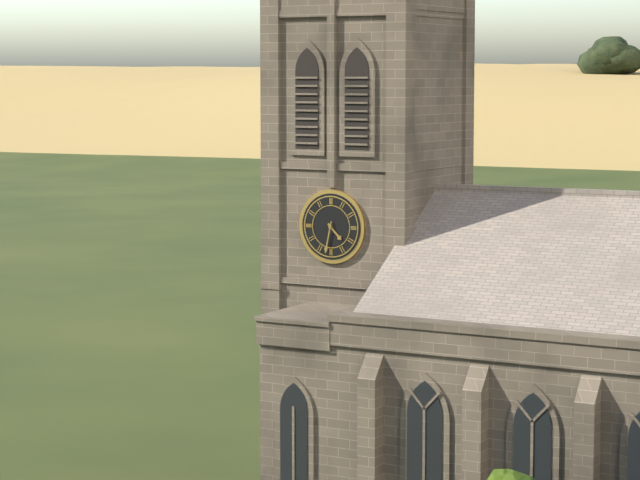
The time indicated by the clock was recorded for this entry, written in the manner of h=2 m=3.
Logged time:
h=4 m=32
